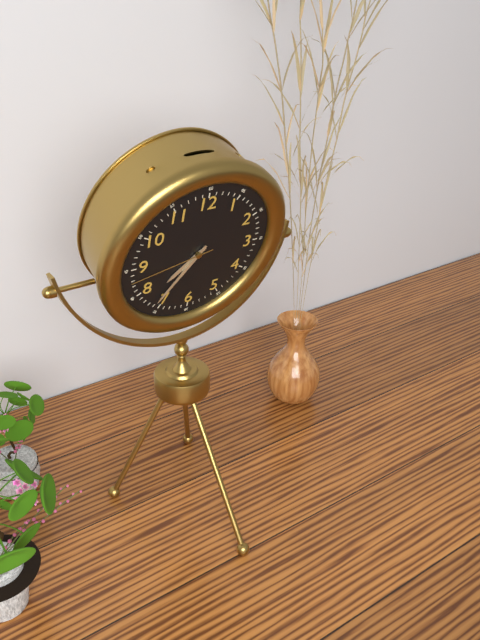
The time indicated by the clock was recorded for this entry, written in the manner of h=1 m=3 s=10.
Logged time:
h=7 m=36 s=43
